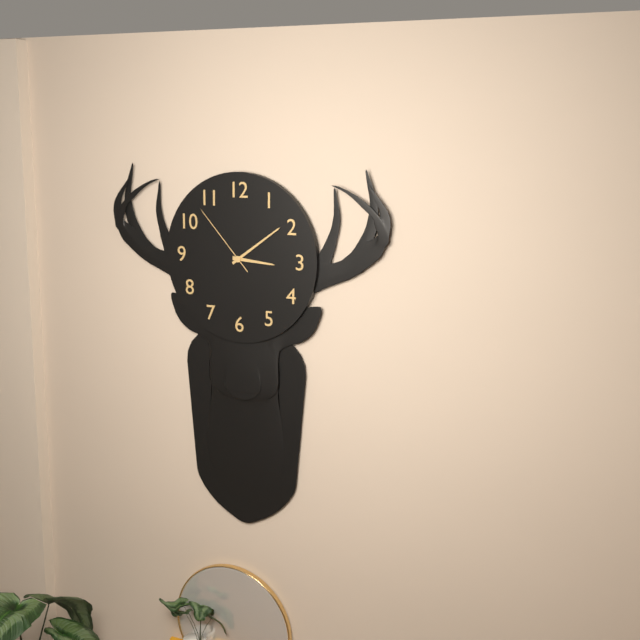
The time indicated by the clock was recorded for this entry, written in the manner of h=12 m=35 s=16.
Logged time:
h=3 m=9 s=53
